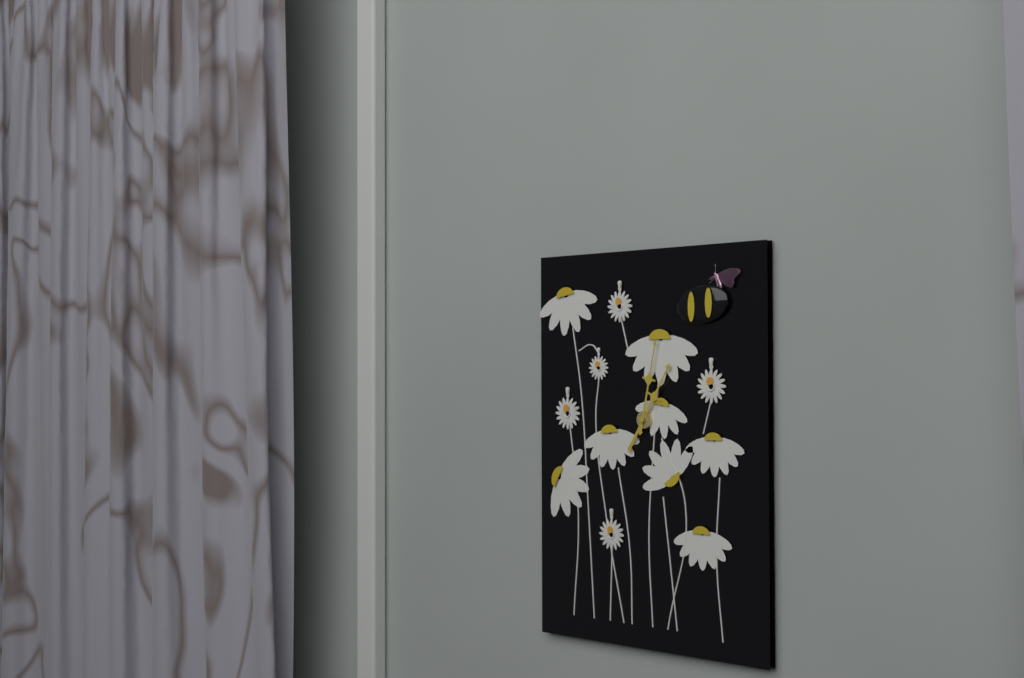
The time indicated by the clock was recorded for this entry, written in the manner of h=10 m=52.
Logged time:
h=1 m=2
